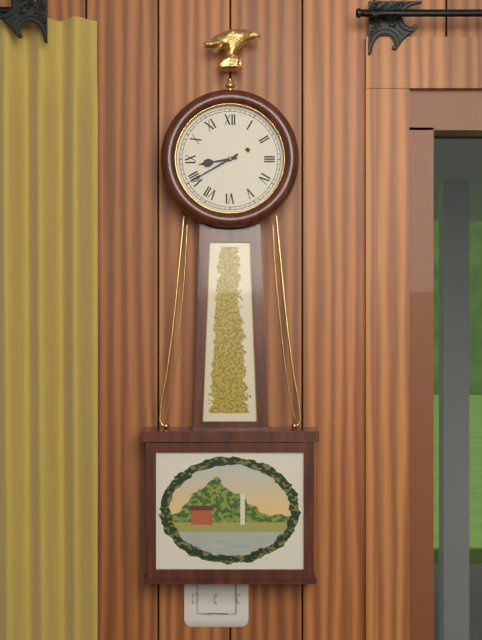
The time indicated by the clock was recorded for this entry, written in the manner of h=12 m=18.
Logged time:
h=8 m=40
